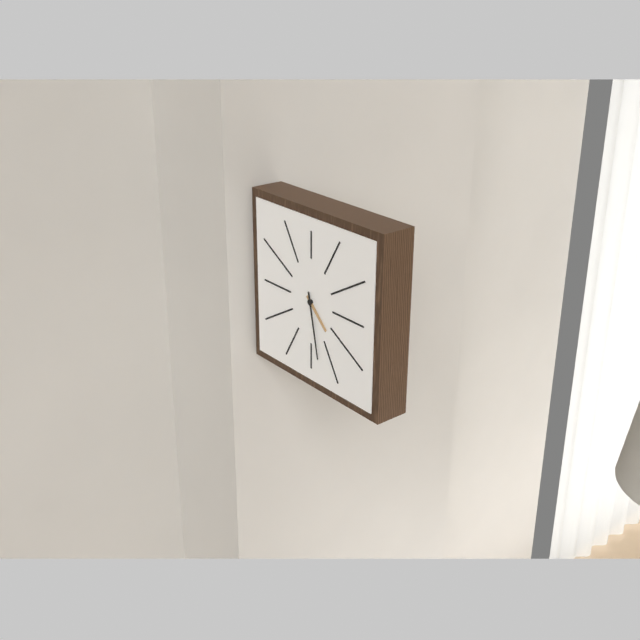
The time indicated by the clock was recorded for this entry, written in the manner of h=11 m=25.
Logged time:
h=4 m=28
